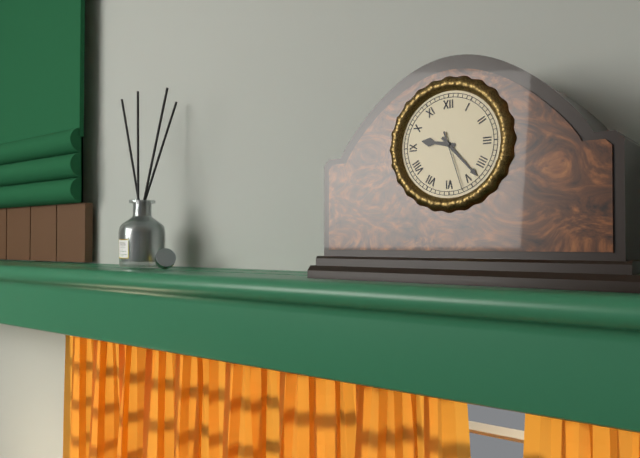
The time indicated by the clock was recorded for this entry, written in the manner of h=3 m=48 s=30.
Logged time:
h=9 m=23 s=27
